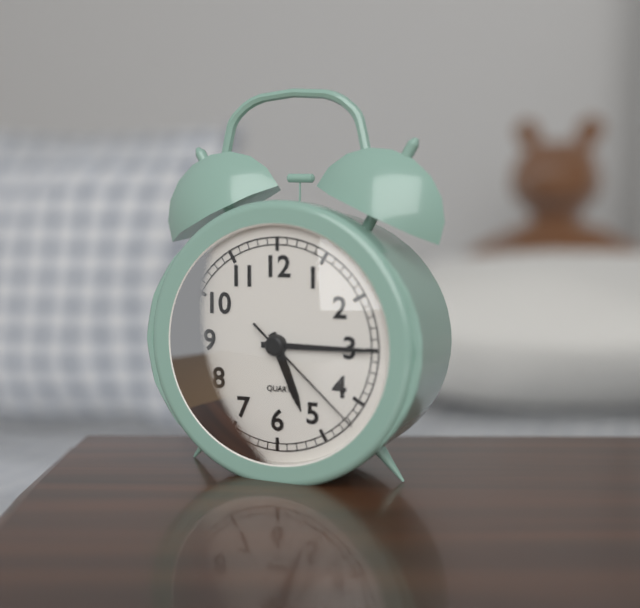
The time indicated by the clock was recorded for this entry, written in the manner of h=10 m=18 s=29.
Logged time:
h=5 m=15 s=22
